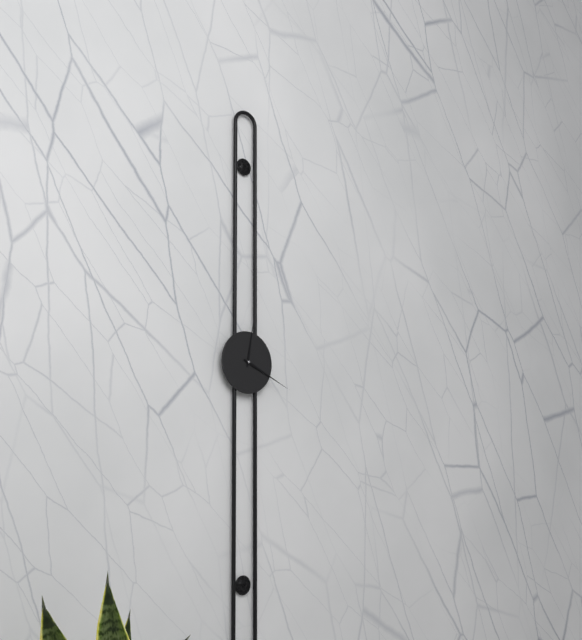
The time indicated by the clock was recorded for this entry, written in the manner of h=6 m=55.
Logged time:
h=12 m=19
